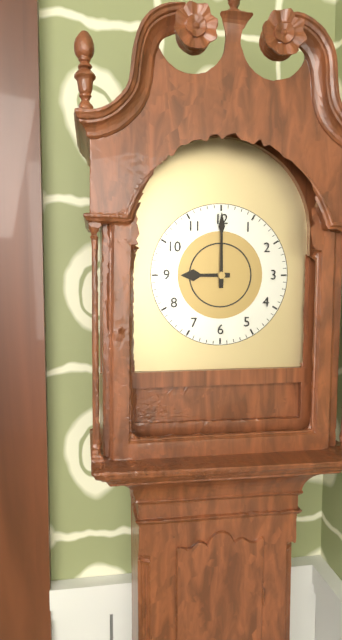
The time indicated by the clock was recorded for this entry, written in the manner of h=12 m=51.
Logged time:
h=9 m=0
